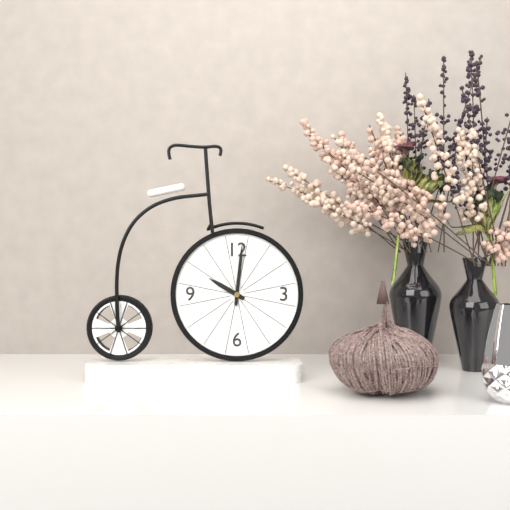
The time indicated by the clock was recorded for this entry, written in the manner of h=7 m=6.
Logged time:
h=10 m=1
